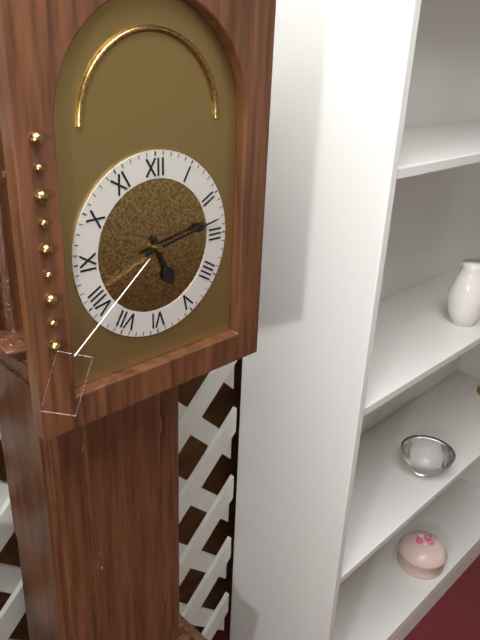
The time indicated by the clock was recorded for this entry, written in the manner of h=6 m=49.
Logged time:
h=5 m=13
